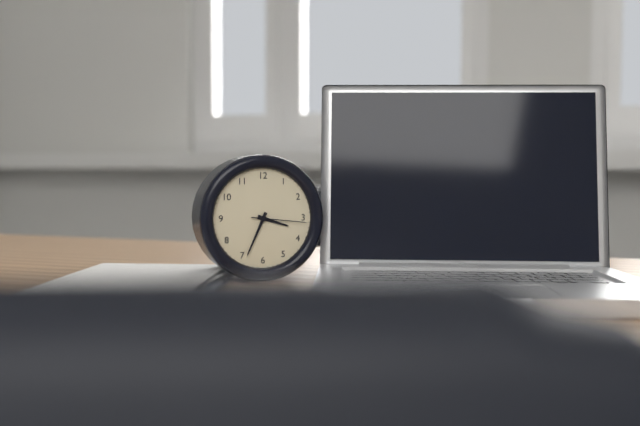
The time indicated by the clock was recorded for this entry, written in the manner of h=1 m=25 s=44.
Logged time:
h=3 m=34 s=16
